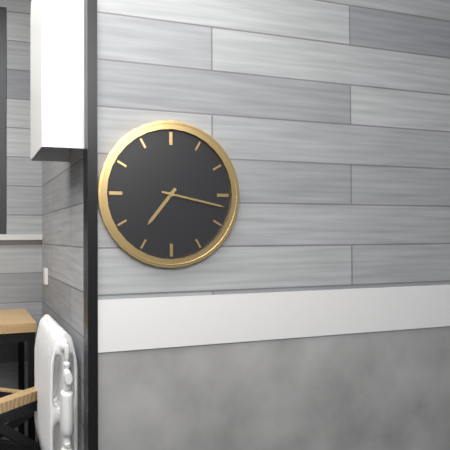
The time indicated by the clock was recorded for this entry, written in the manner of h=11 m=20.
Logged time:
h=7 m=17
